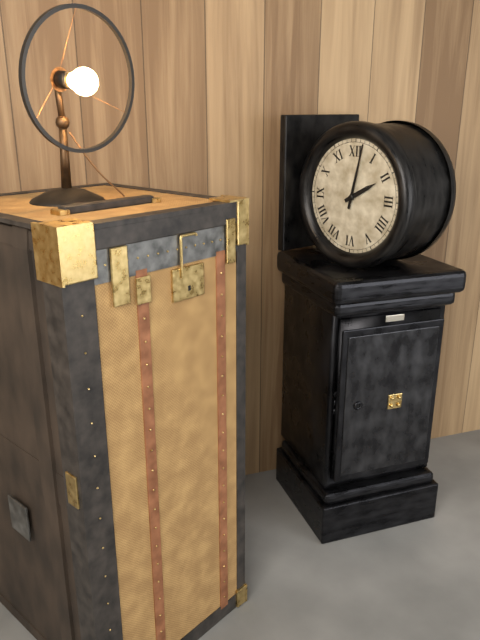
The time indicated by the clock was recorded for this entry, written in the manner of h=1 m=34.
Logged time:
h=2 m=2
